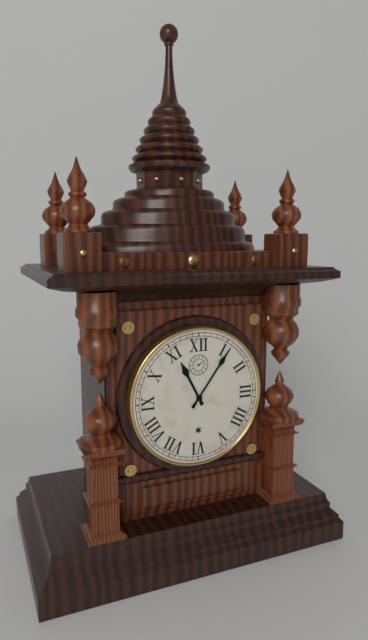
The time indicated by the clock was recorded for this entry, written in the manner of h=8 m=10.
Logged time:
h=11 m=6
